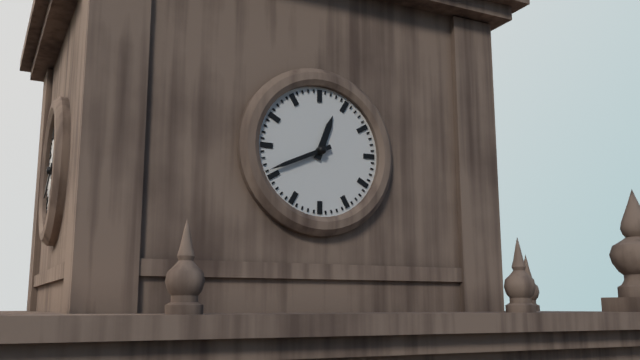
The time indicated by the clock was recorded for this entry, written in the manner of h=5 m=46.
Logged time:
h=12 m=41
